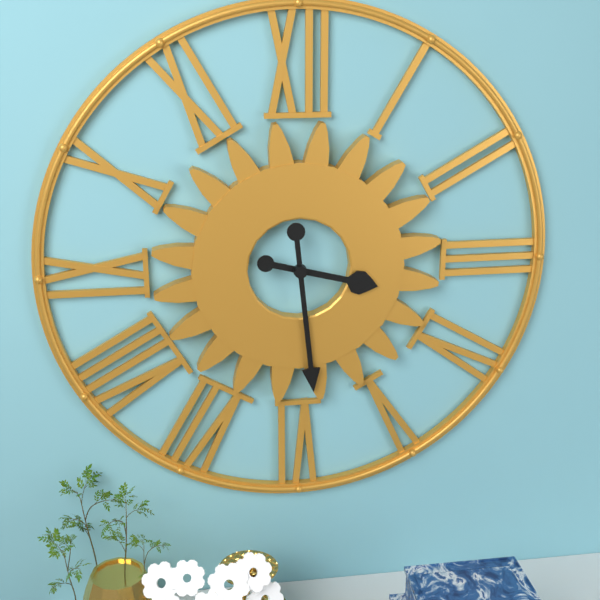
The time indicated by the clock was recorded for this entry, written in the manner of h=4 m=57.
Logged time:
h=3 m=29
